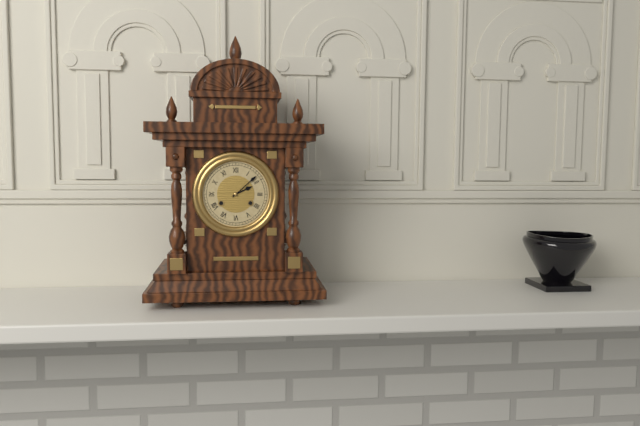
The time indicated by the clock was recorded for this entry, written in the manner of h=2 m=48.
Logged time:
h=2 m=8
